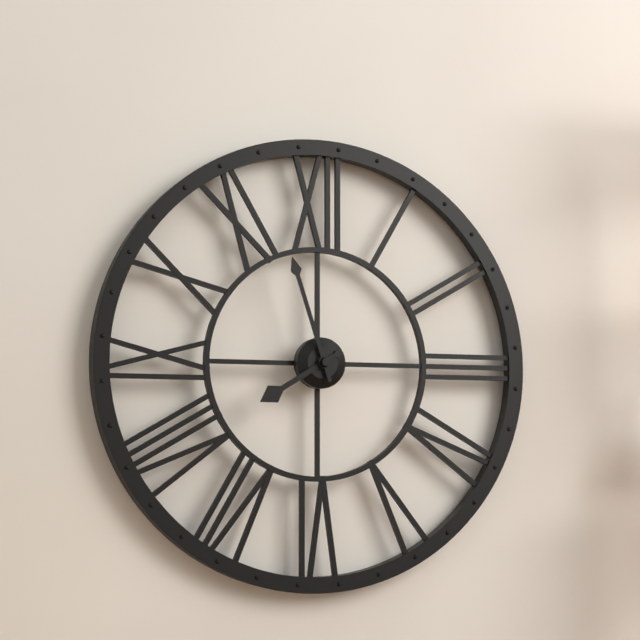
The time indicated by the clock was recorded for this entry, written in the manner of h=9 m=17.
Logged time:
h=7 m=57
